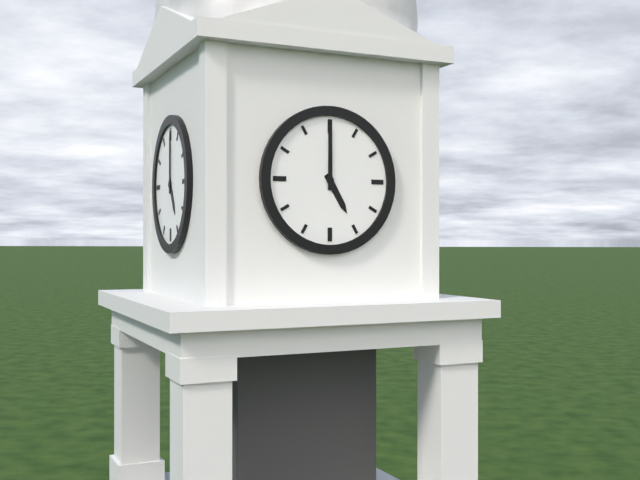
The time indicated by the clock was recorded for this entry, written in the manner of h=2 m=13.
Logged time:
h=5 m=0
